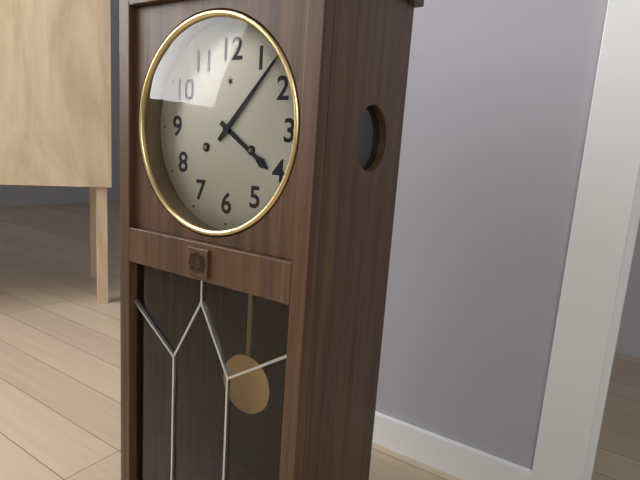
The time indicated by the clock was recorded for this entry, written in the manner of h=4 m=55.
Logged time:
h=4 m=7
